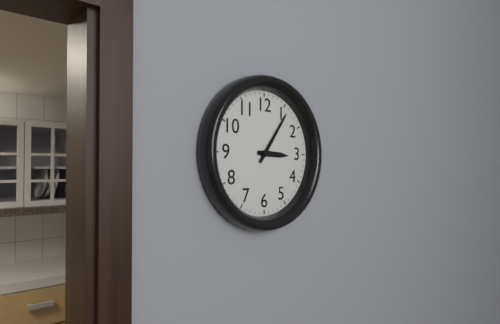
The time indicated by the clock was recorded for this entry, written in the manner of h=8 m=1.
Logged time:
h=3 m=6
